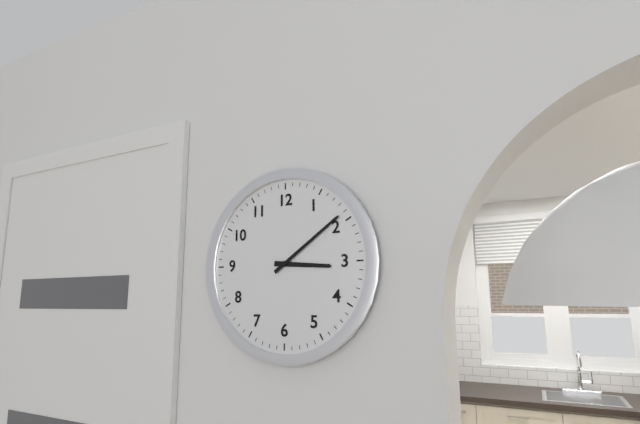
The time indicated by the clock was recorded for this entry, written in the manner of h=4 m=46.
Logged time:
h=3 m=9
